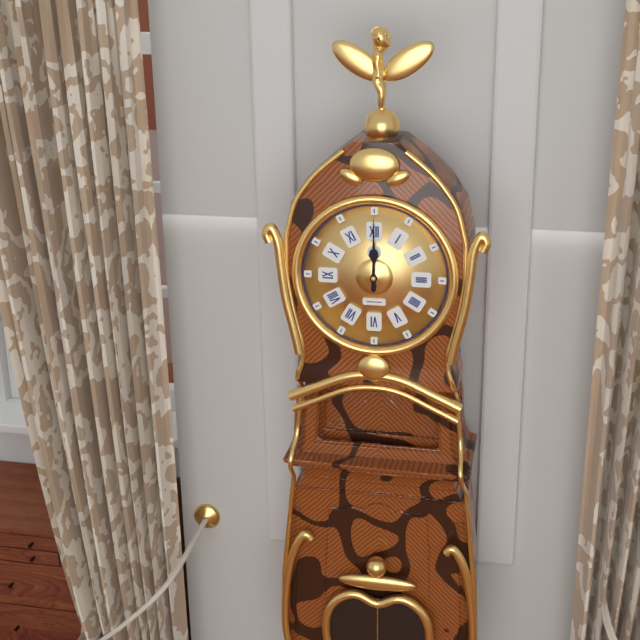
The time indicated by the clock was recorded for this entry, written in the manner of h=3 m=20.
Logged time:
h=12 m=0
